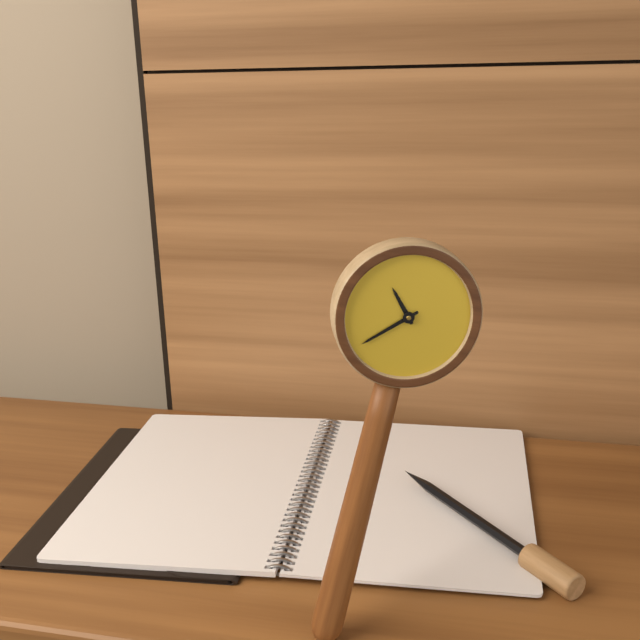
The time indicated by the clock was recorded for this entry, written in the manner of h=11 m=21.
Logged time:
h=10 m=38
